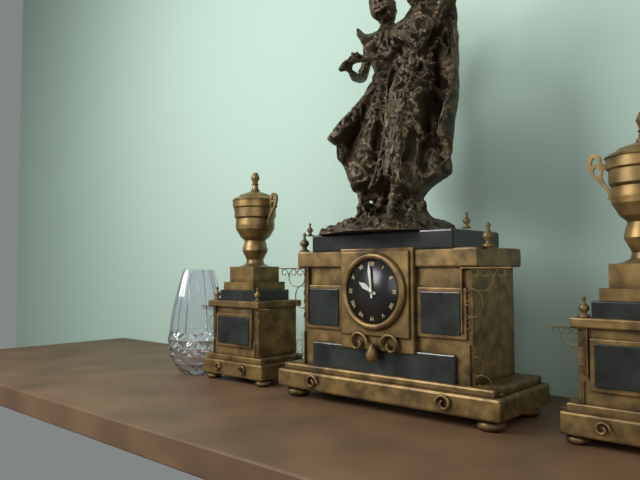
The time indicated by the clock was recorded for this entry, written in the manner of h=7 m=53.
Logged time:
h=9 m=59
